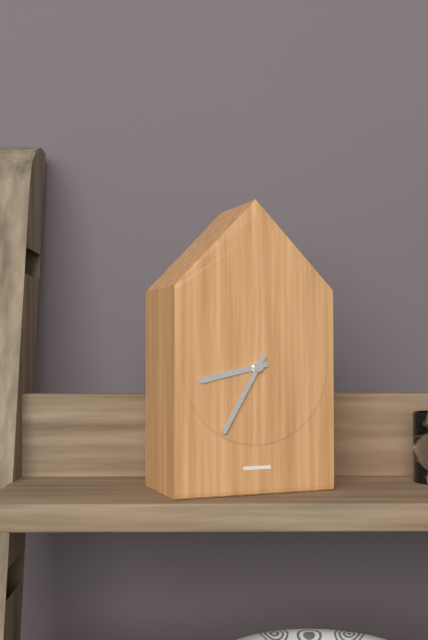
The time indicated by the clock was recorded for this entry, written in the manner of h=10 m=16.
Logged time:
h=8 m=35
